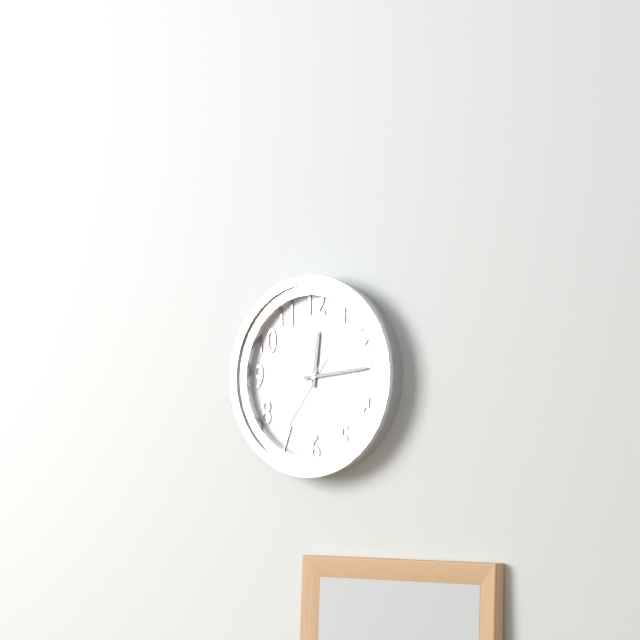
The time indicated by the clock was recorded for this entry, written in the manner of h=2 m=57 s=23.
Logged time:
h=12 m=14 s=36
